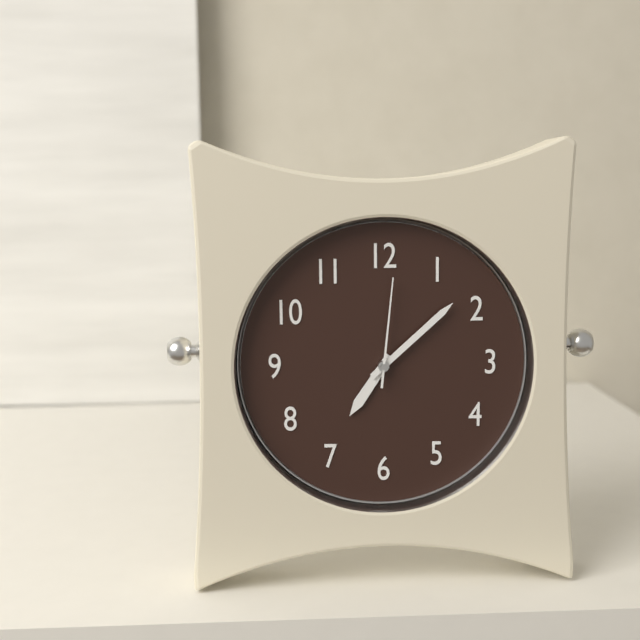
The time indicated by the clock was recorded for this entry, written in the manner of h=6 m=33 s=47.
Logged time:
h=7 m=8 s=1
